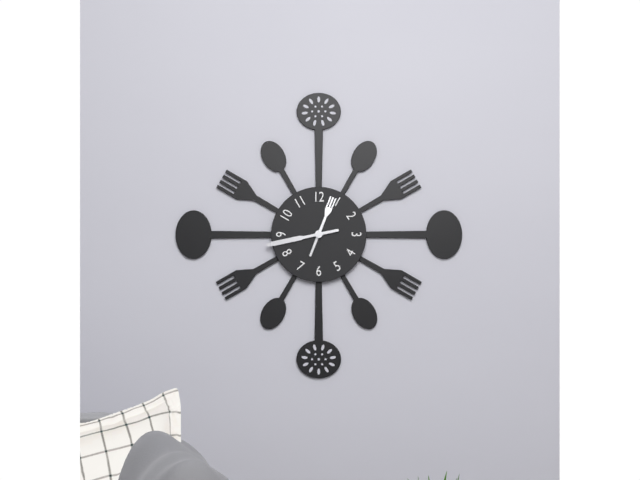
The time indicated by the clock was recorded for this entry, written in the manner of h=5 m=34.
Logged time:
h=12 m=43
